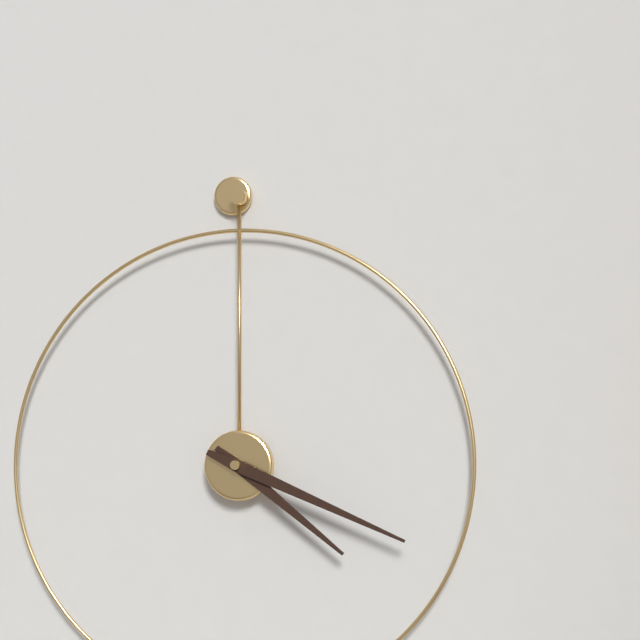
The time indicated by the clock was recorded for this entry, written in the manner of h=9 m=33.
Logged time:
h=4 m=19
